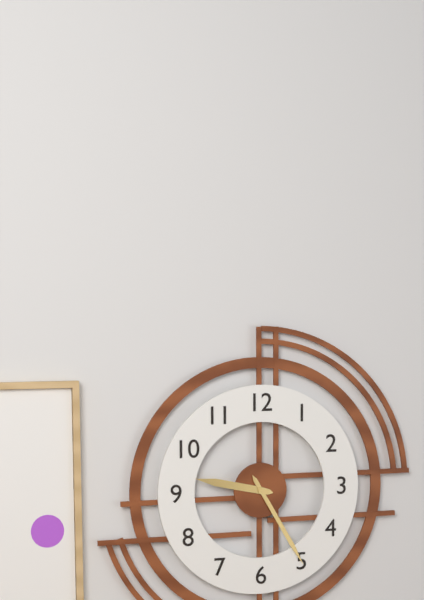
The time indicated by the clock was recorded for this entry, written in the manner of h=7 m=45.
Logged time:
h=9 m=25
